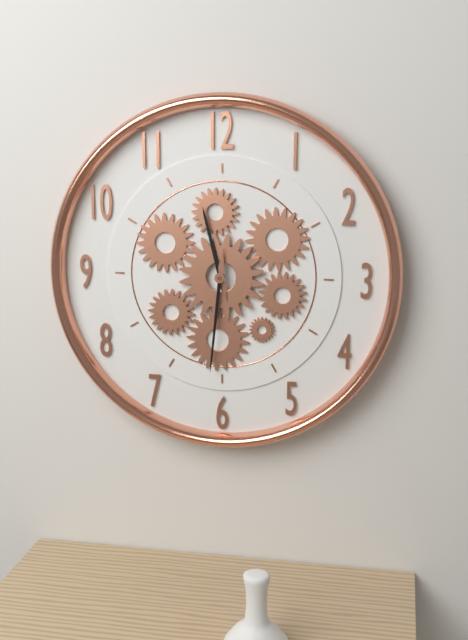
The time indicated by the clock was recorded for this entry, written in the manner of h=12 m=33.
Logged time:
h=11 m=31
